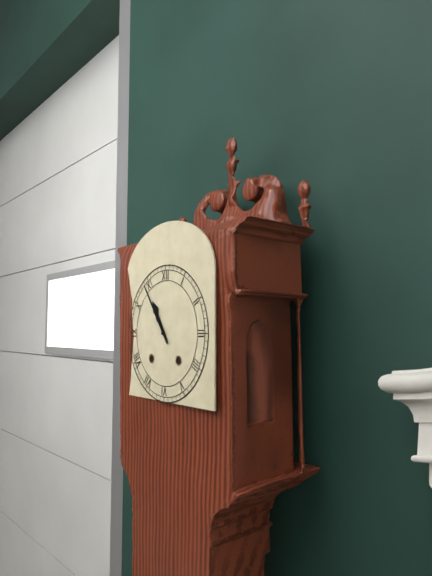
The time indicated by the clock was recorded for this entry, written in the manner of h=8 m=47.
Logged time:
h=10 m=54
